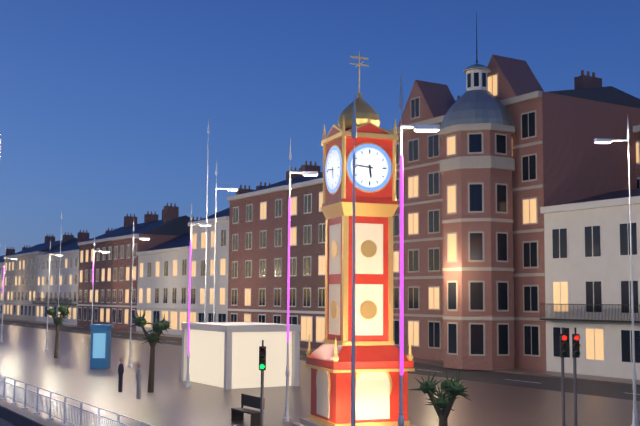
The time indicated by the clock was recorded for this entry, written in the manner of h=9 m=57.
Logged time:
h=5 m=46
